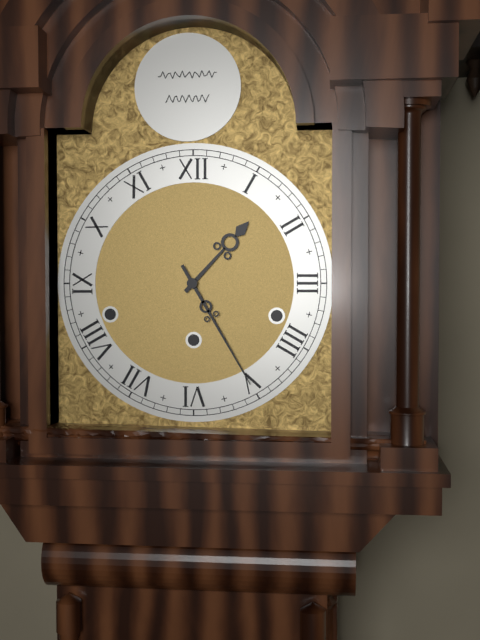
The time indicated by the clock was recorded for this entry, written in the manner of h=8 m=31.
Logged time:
h=1 m=25
